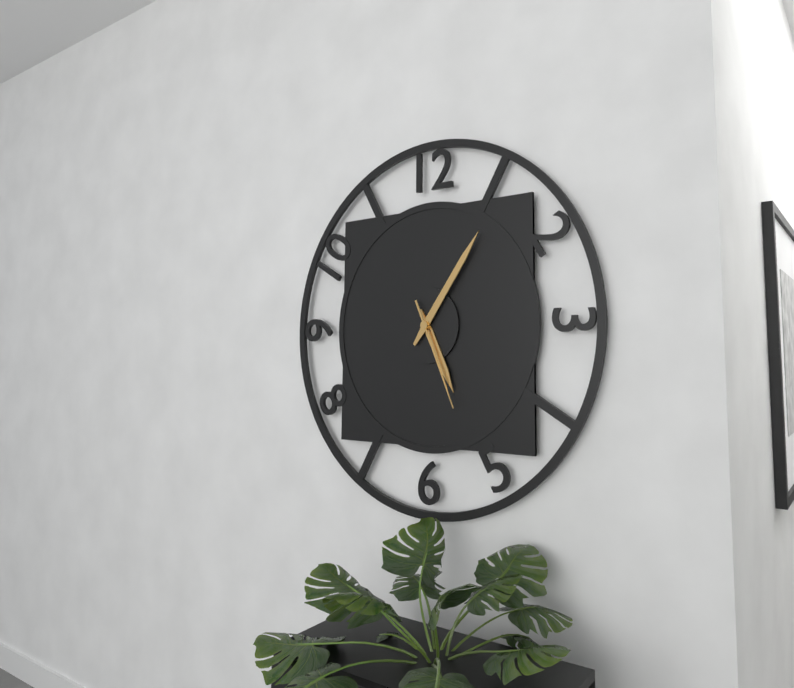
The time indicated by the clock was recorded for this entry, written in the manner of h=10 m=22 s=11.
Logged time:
h=5 m=6 s=26
